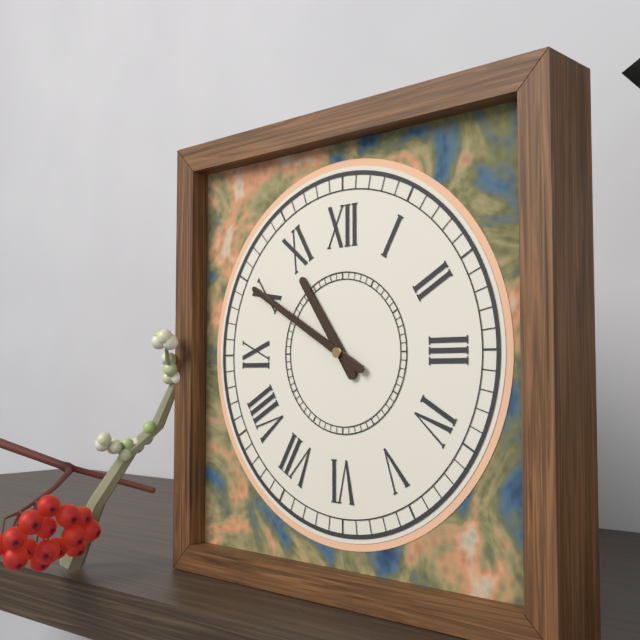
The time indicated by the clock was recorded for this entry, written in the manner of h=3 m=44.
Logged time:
h=10 m=50
